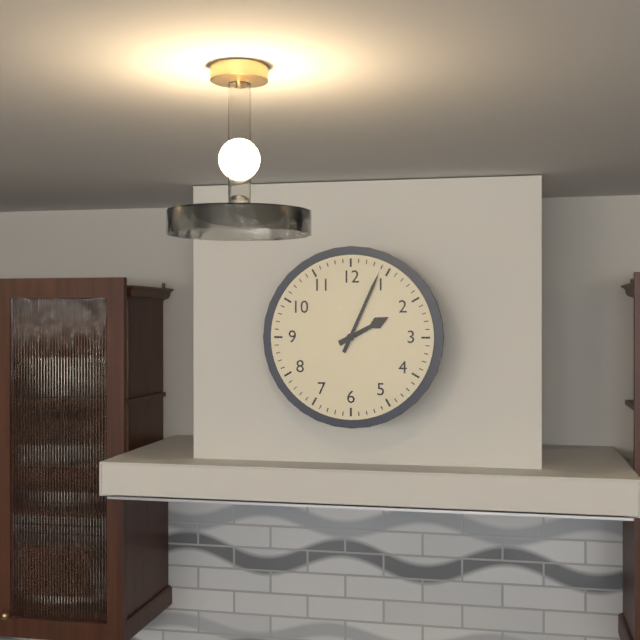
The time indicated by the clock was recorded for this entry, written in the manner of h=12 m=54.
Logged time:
h=2 m=4
